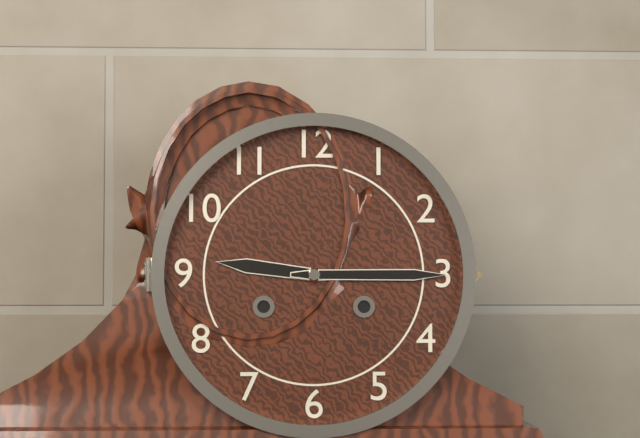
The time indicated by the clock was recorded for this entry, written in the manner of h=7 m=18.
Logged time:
h=9 m=15
